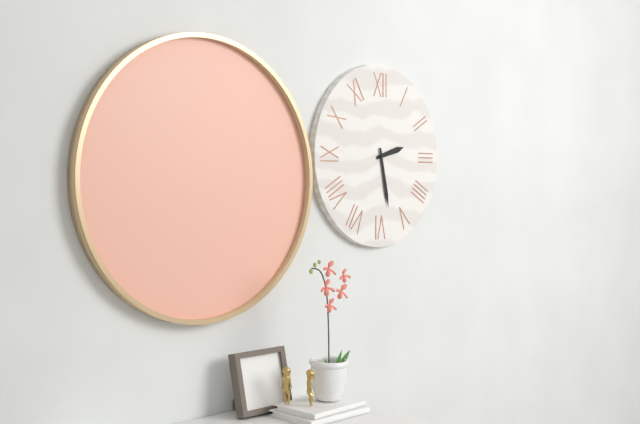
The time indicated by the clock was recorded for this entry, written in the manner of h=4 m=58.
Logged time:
h=2 m=28
